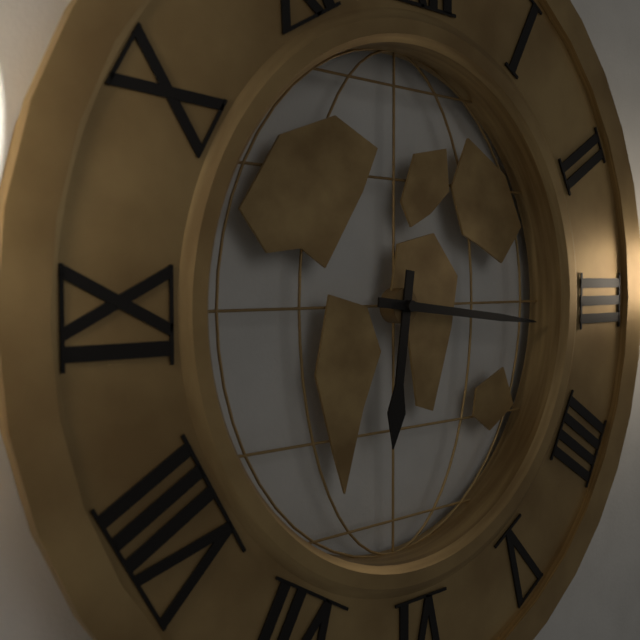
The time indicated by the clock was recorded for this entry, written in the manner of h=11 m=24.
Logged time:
h=6 m=16
